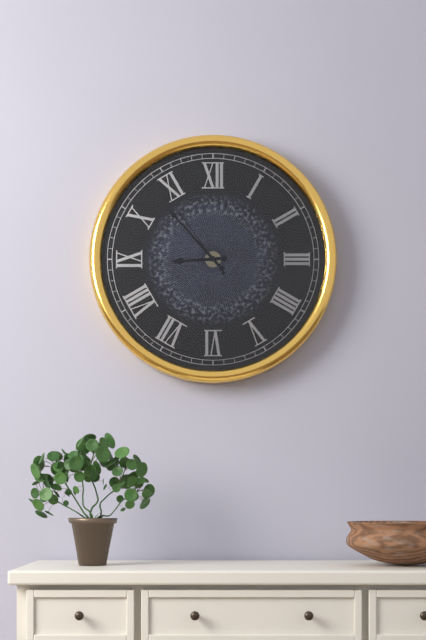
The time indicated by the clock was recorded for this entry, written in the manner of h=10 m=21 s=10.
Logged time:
h=8 m=53 s=54
